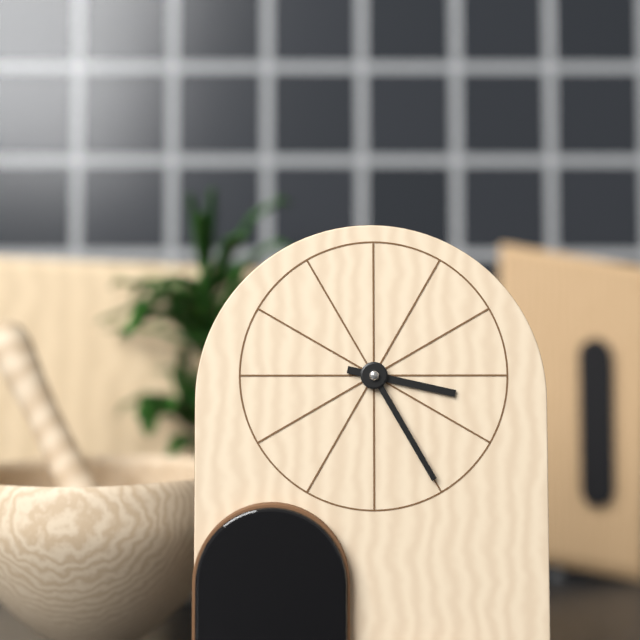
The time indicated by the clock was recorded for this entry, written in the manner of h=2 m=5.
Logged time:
h=3 m=25
